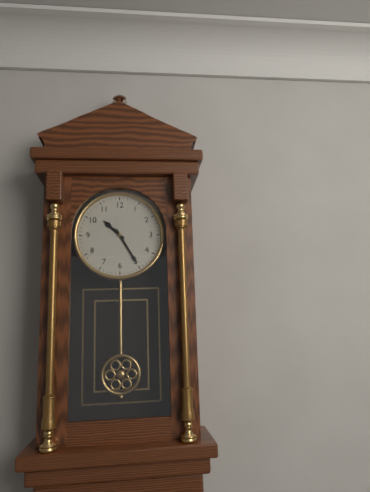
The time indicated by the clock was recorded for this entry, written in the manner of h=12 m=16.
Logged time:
h=10 m=25
